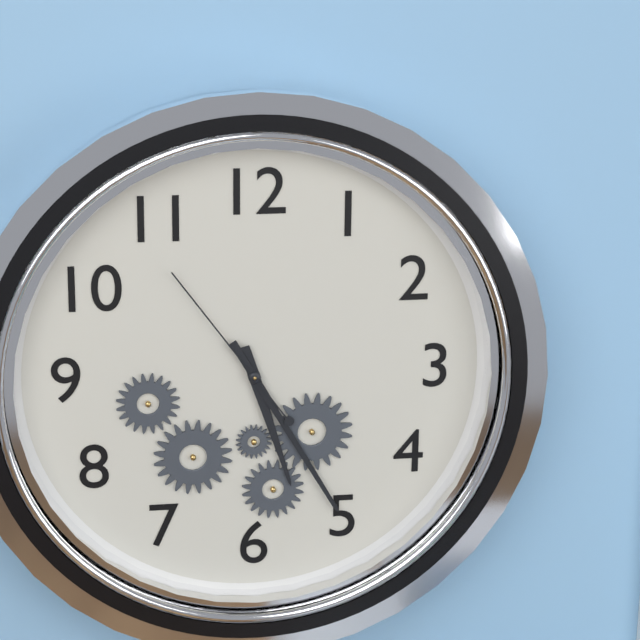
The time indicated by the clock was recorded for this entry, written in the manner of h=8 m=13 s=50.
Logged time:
h=5 m=25 s=54
